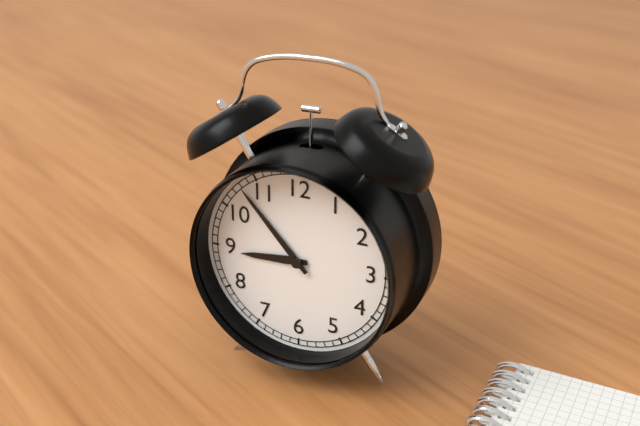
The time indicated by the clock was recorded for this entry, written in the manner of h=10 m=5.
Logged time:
h=8 m=53
